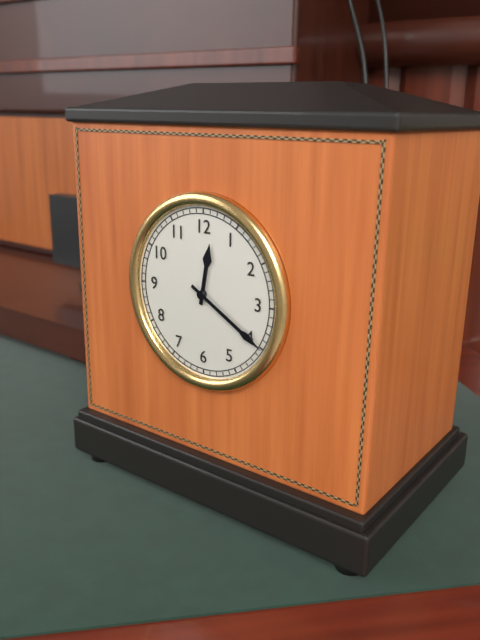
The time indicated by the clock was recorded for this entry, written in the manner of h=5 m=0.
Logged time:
h=12 m=20
